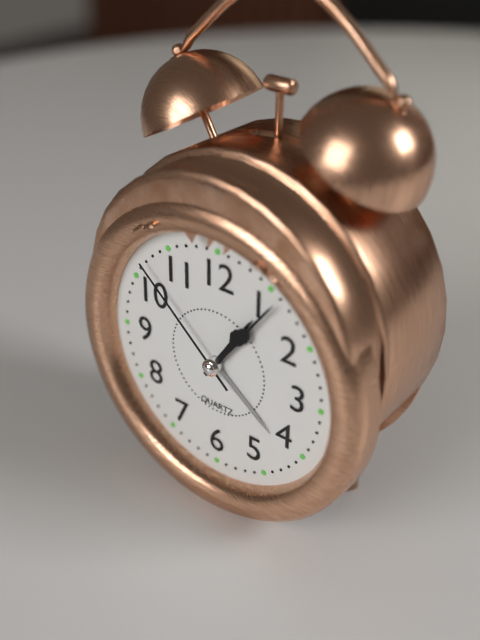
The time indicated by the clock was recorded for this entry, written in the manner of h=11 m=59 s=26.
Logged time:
h=1 m=6 s=52
